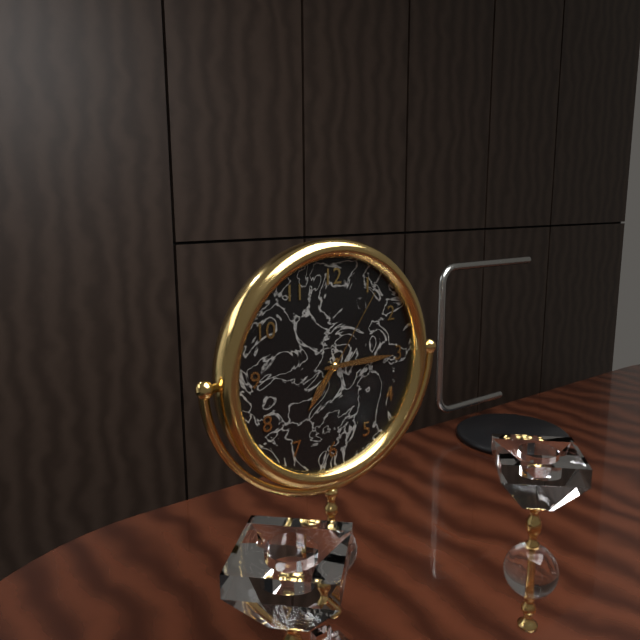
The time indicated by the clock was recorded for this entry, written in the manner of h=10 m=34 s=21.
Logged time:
h=7 m=15 s=6
